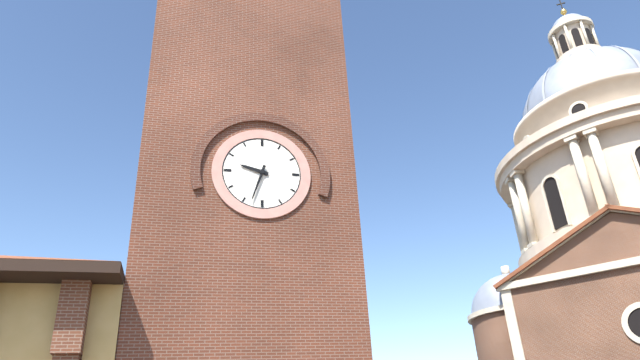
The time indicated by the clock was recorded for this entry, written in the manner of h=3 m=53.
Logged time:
h=9 m=33
